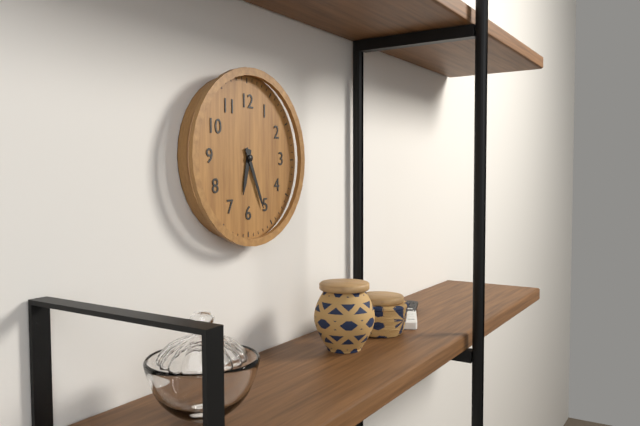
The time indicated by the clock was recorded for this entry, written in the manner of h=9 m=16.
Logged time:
h=6 m=26
